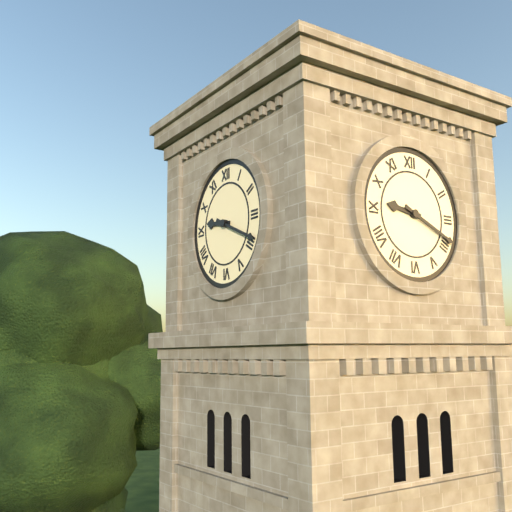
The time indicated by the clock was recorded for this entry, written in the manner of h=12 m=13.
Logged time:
h=9 m=19
